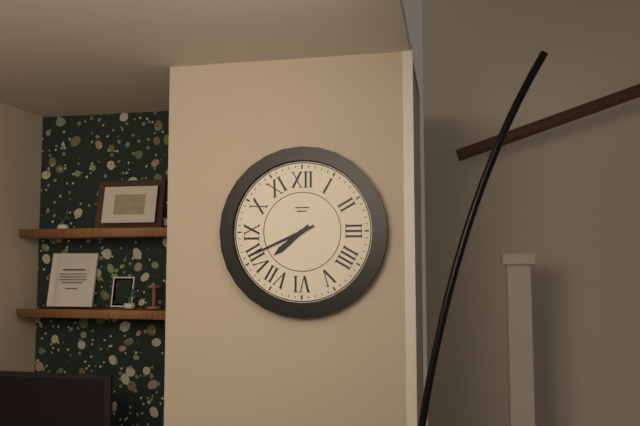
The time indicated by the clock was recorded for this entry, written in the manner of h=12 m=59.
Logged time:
h=7 m=41
